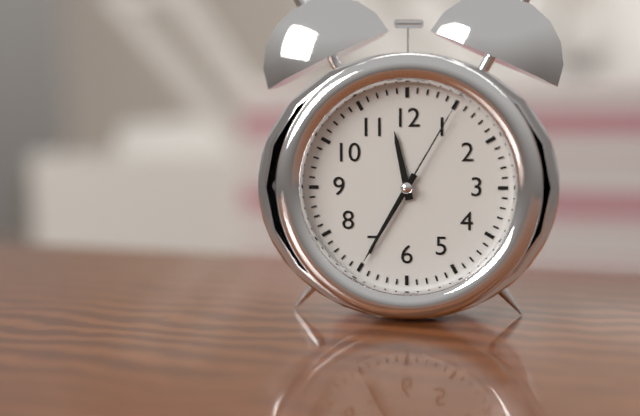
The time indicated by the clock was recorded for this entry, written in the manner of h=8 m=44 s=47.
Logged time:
h=11 m=35 s=5
